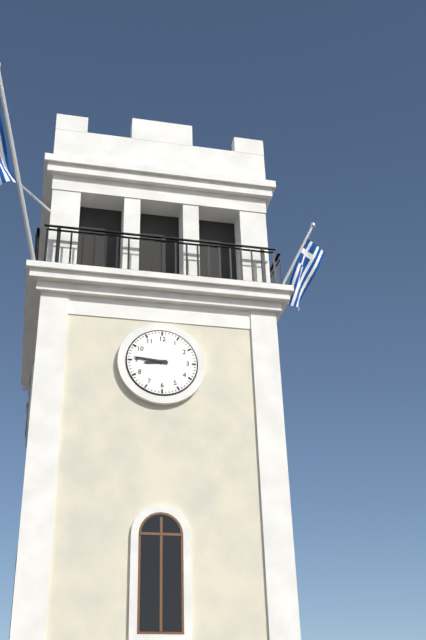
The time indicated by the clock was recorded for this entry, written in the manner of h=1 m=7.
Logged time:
h=8 m=46
